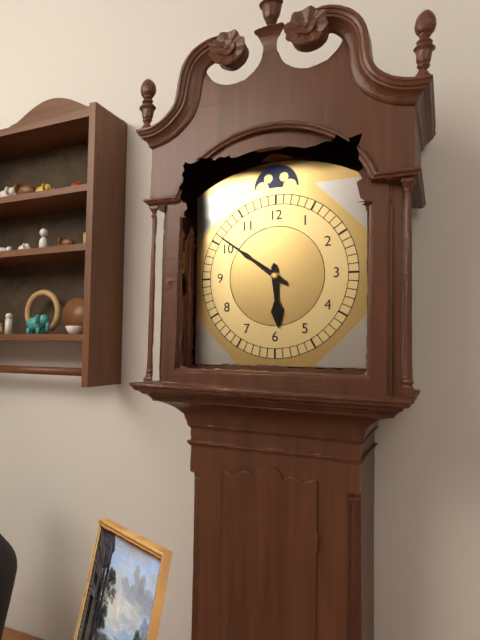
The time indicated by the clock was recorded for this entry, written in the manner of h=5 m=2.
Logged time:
h=5 m=51
